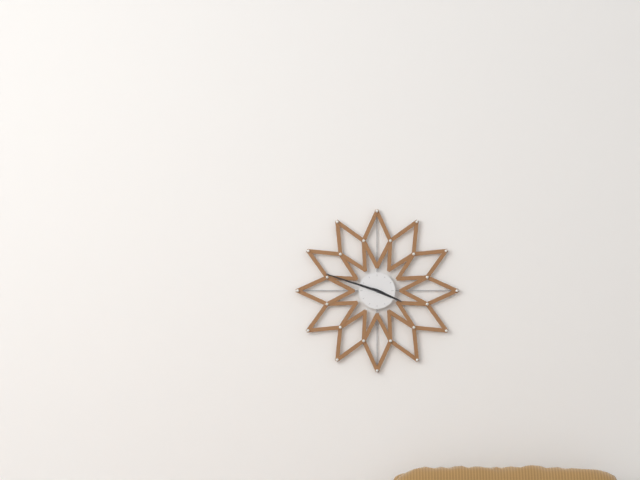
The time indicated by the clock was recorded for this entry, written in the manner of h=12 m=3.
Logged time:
h=3 m=48
